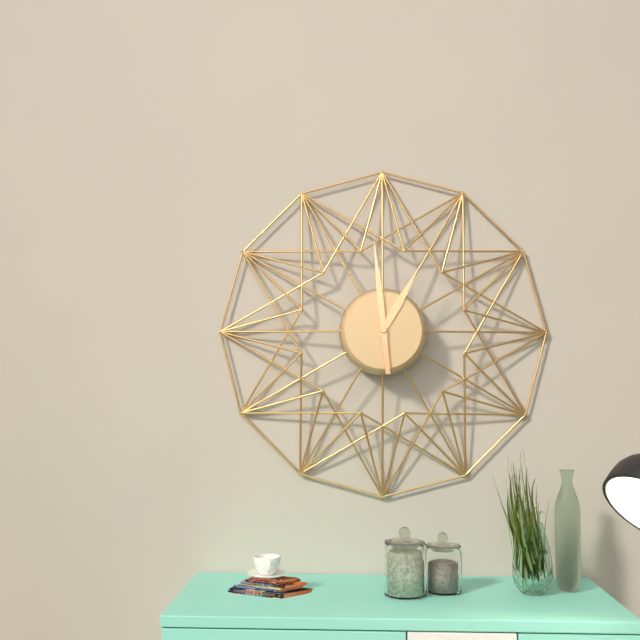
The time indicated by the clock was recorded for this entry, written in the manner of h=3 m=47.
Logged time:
h=12 m=59
